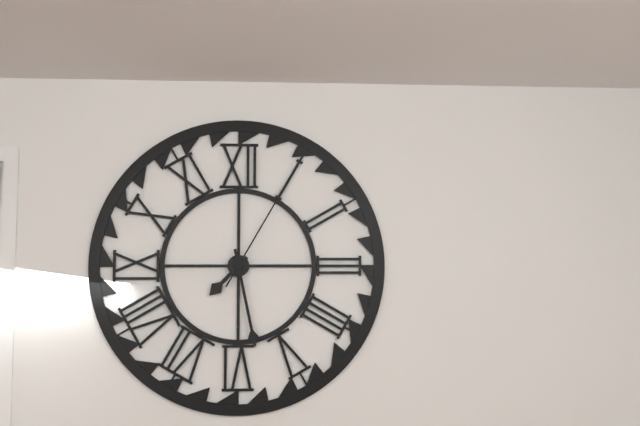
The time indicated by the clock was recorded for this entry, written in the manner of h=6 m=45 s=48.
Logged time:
h=7 m=28 s=5
